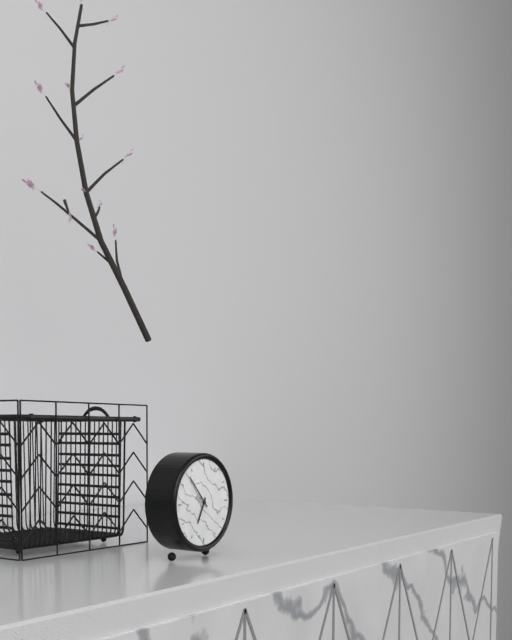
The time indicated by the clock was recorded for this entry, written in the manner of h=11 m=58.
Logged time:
h=6 m=53
